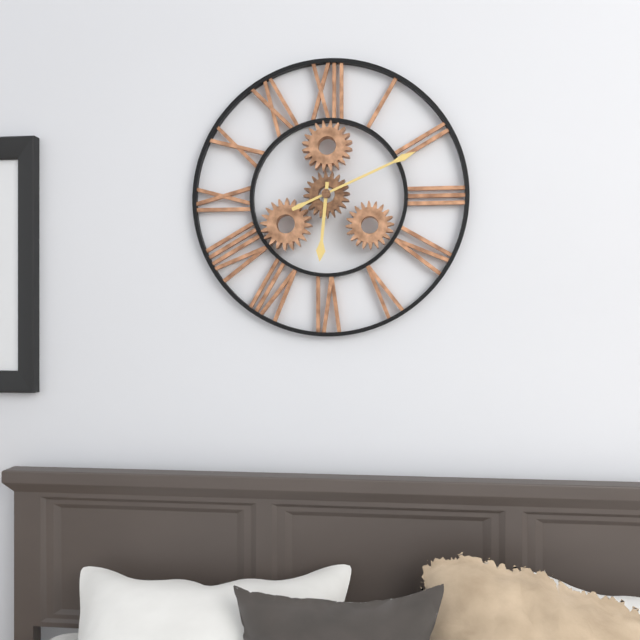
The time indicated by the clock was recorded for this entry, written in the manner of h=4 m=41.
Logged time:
h=6 m=11
